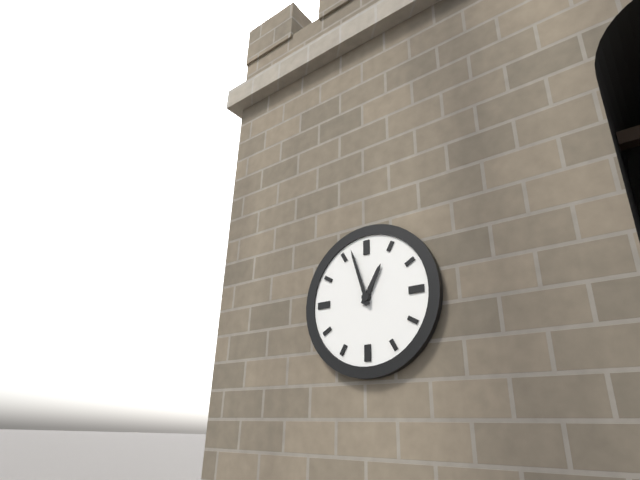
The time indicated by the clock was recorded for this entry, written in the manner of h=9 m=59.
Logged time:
h=12 m=57
